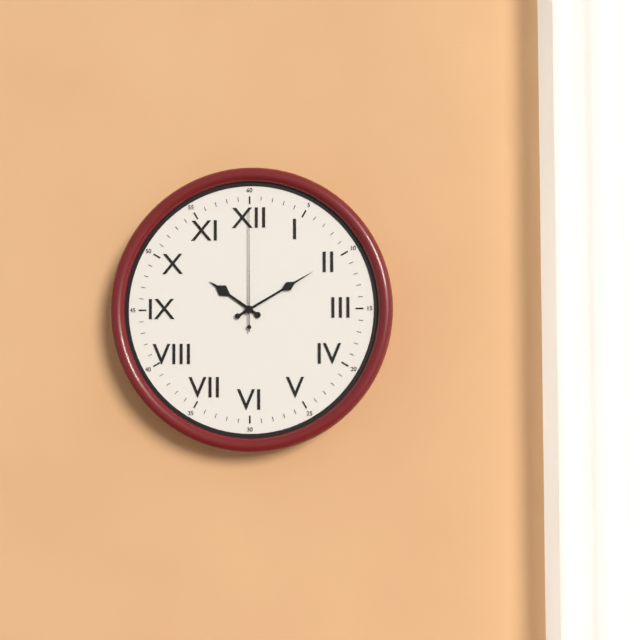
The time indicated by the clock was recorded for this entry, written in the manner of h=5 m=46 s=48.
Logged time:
h=10 m=10 s=0
